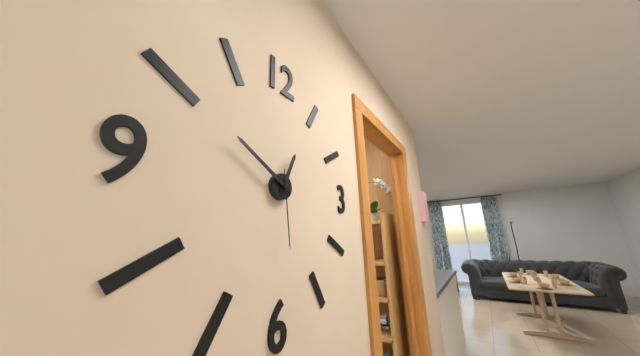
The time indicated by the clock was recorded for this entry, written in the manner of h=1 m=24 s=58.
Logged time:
h=12 m=50 s=29
